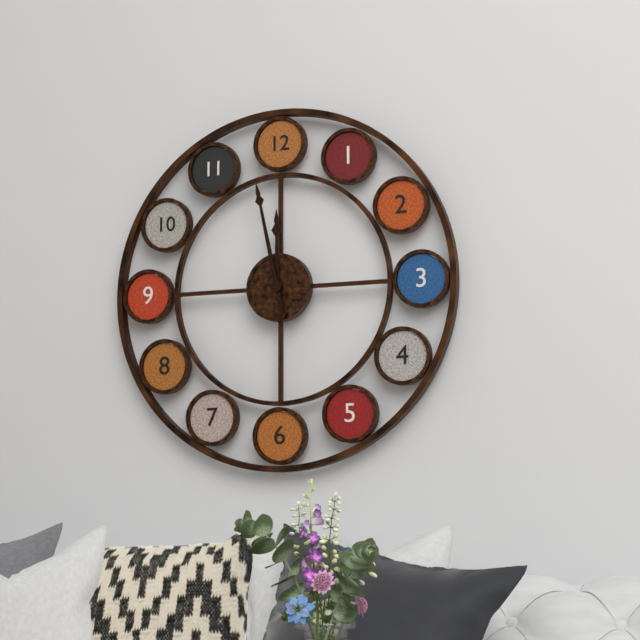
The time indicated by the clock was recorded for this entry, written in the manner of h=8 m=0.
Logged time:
h=11 m=58
